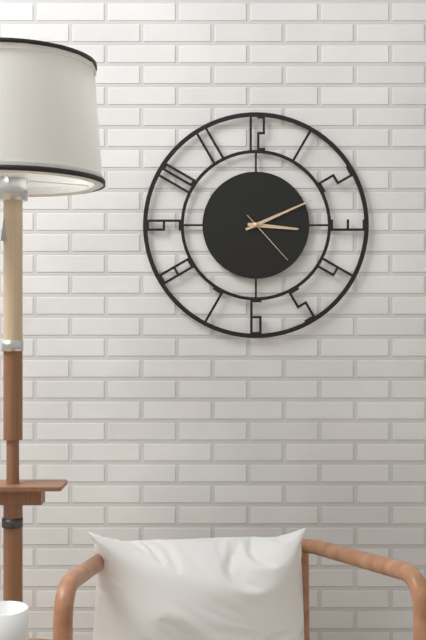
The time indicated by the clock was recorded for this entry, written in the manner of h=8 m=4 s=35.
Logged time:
h=3 m=11 s=23
